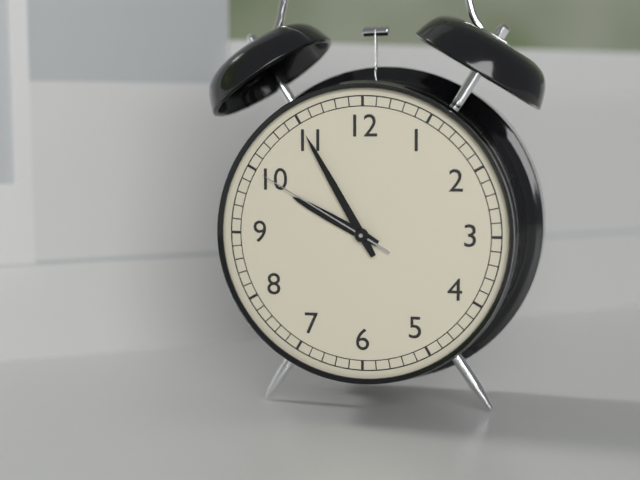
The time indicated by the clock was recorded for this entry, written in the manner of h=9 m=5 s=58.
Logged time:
h=9 m=55 s=50
